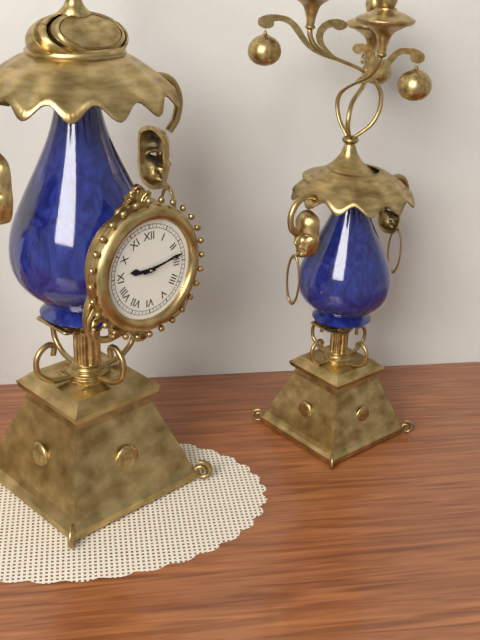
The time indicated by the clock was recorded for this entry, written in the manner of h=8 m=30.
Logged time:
h=9 m=13
